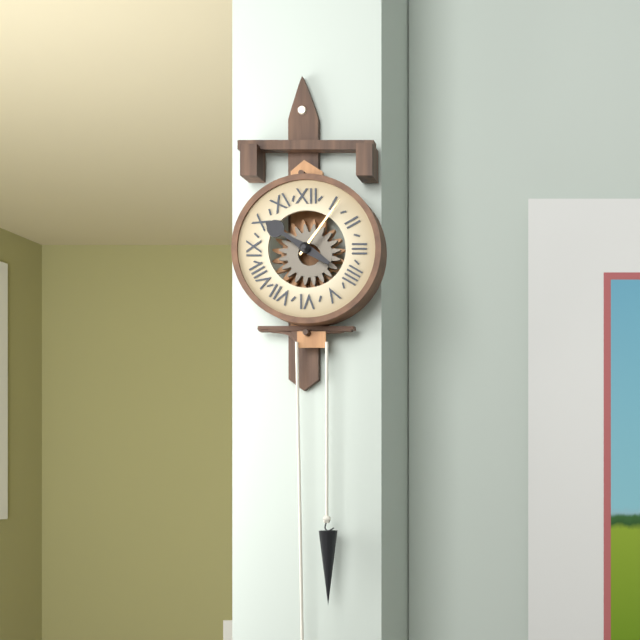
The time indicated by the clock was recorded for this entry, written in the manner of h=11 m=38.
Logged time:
h=10 m=6
